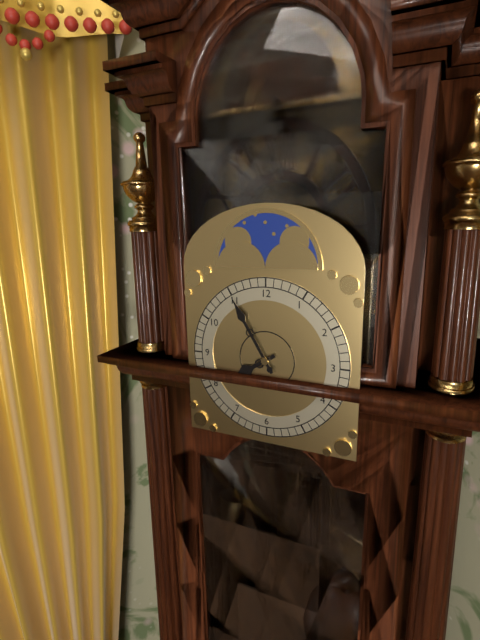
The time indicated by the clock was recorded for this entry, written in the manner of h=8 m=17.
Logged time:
h=7 m=55
